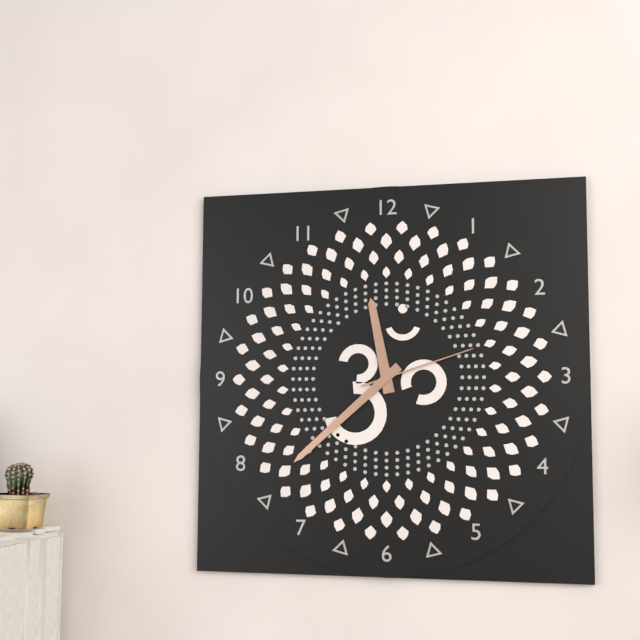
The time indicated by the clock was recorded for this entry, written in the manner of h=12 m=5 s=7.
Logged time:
h=11 m=38 s=12
